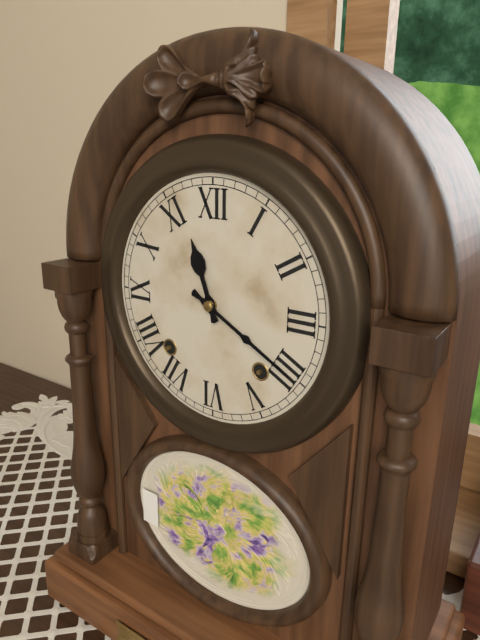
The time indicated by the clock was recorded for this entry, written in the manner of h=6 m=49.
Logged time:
h=11 m=20
